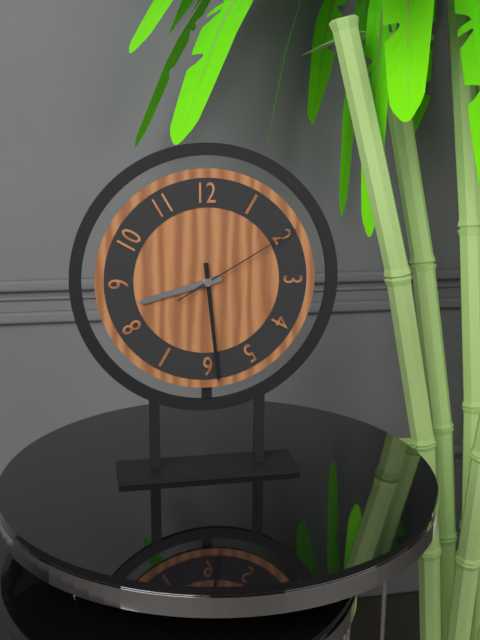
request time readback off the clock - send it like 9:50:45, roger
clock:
8:29:10
